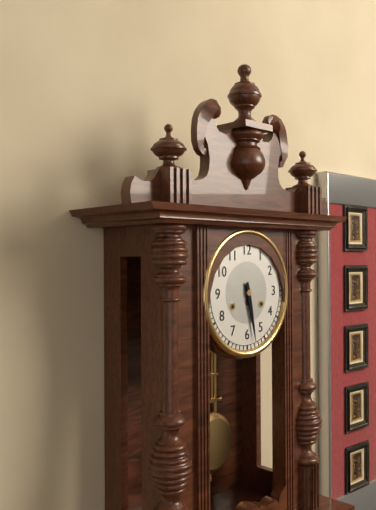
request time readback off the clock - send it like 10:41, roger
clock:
5:28
